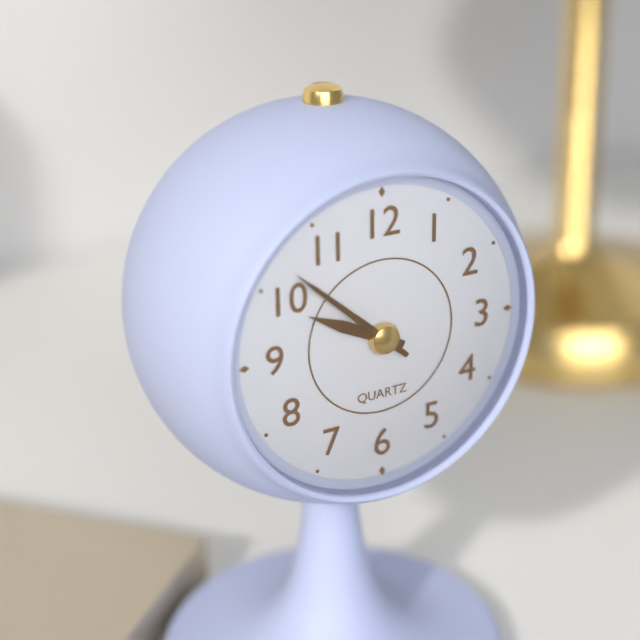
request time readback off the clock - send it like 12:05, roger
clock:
9:52
